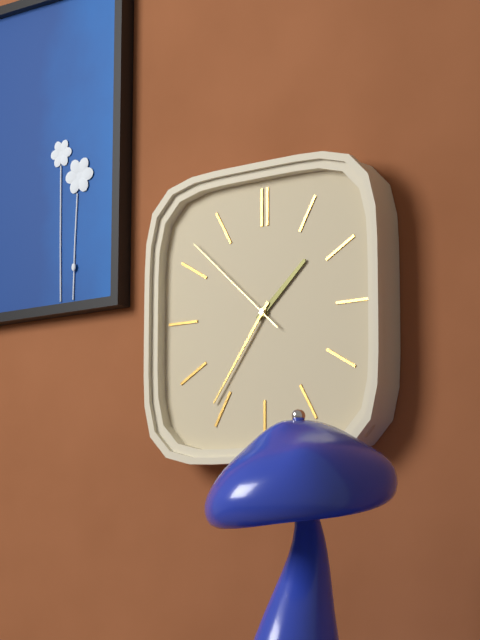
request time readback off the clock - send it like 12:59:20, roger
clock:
1:36:52
